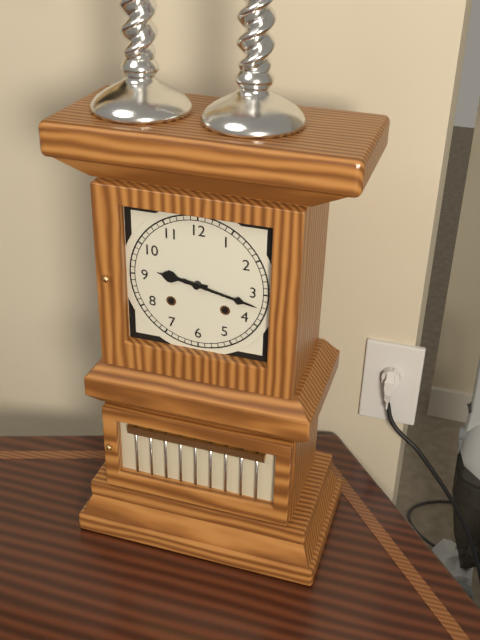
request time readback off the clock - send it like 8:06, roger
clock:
9:17
